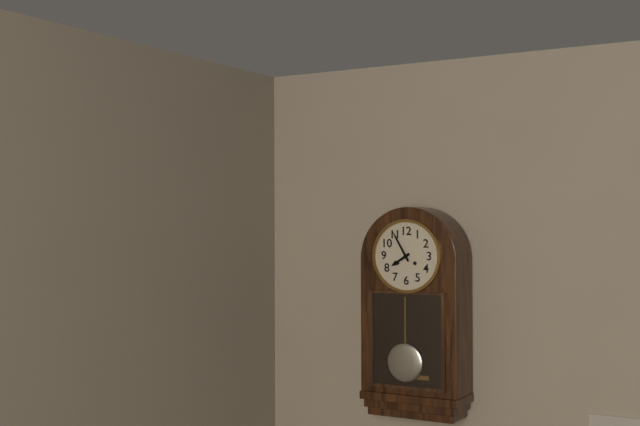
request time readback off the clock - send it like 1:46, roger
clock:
7:55
